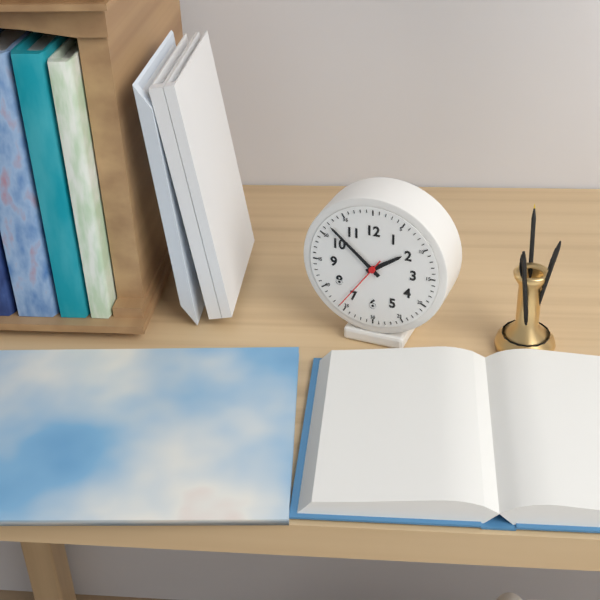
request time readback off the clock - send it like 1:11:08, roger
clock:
1:52:36
